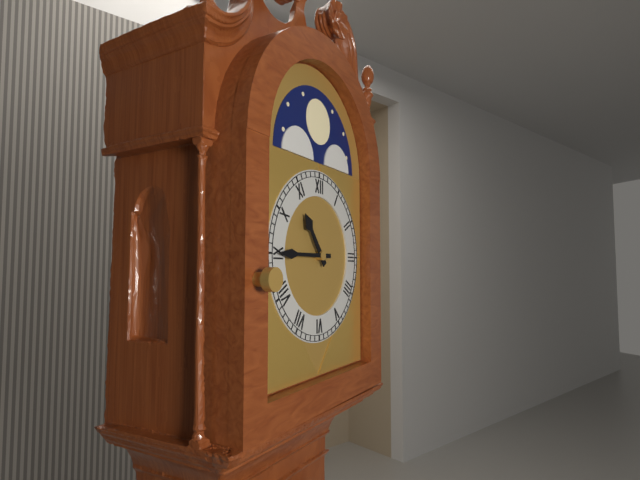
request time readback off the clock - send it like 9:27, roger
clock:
10:45
